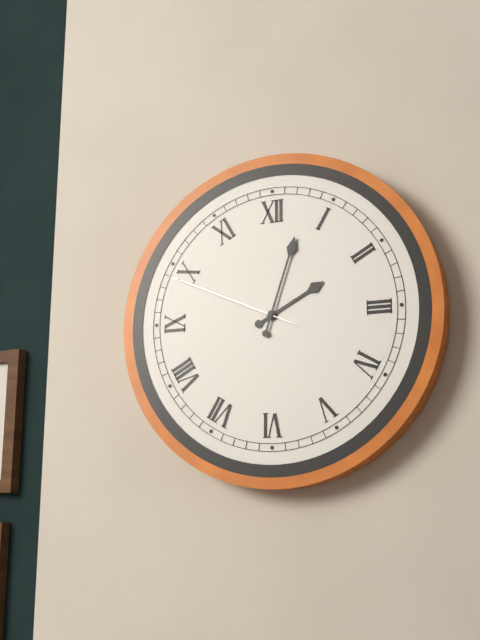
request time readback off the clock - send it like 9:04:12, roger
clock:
2:03:49
